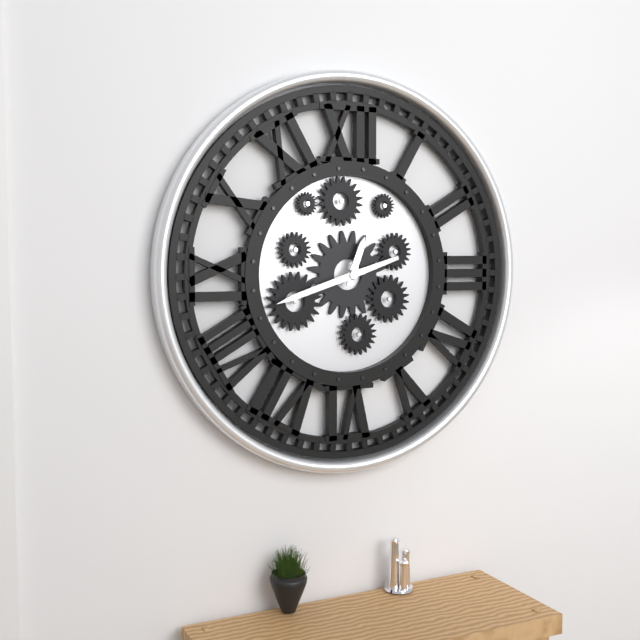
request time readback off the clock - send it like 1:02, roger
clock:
12:42
